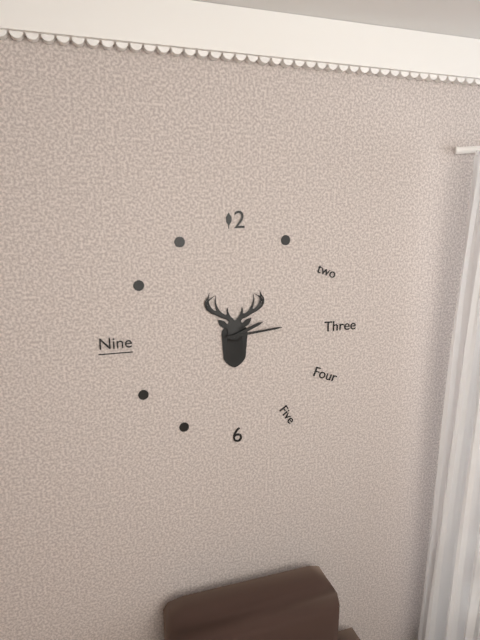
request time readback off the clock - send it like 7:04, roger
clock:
2:14
